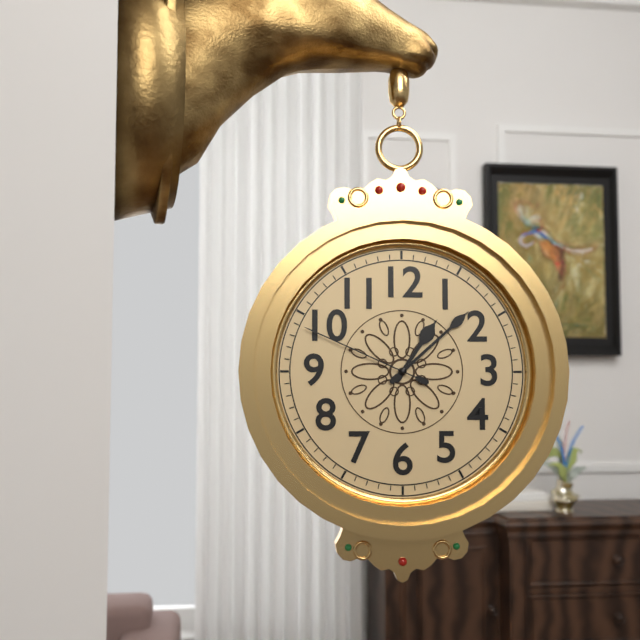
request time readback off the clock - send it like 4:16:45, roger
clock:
1:08:49
